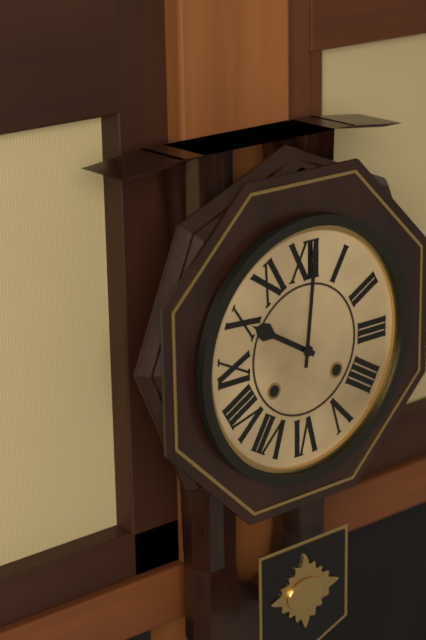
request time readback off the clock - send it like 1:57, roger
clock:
10:01
